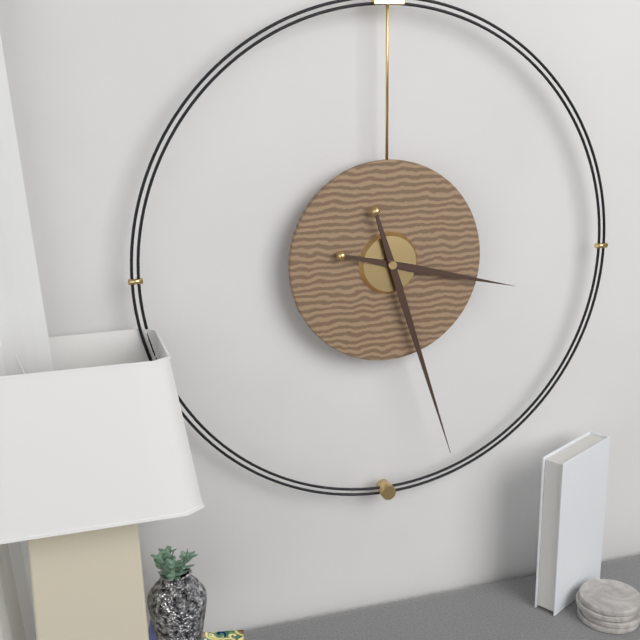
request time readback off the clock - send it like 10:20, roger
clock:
3:27
